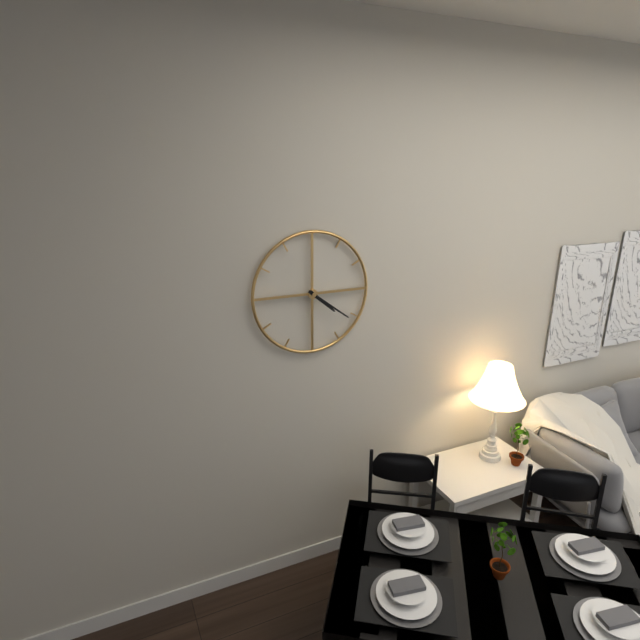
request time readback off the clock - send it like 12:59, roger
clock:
4:21
